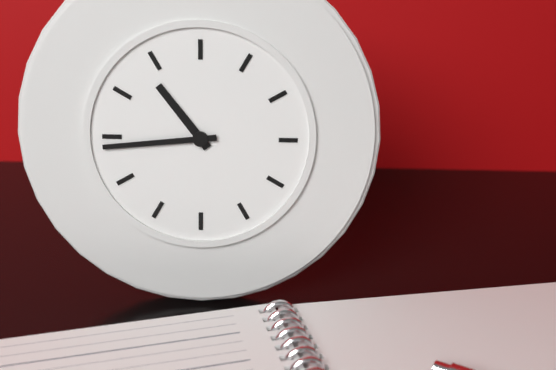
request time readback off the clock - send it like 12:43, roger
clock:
10:44
